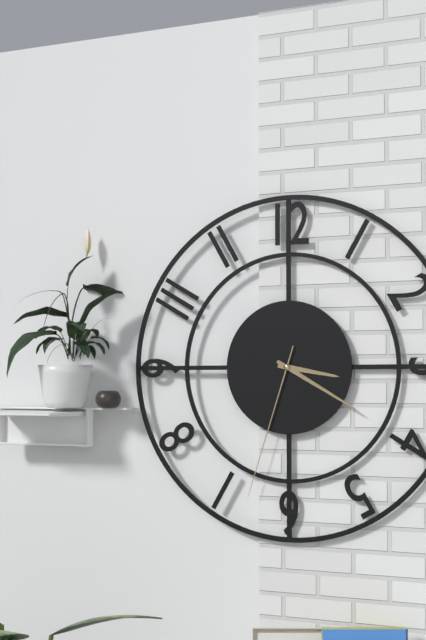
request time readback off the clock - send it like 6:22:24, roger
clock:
3:20:33
